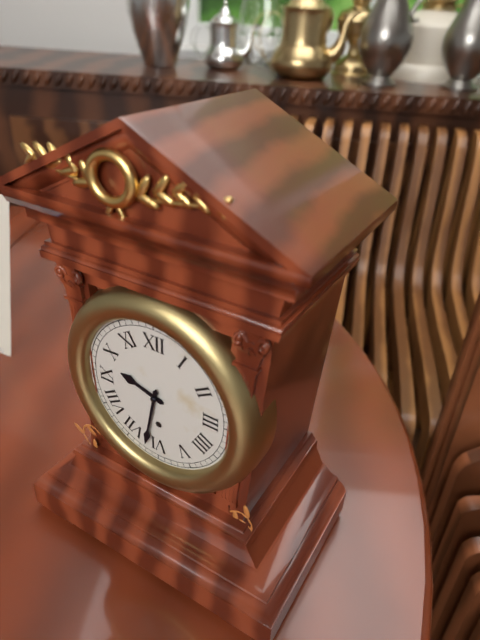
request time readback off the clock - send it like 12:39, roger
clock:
9:32
